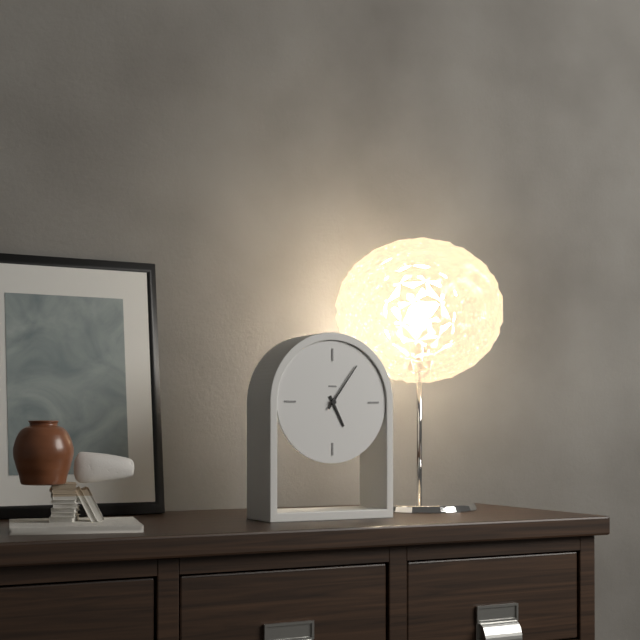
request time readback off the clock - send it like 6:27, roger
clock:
5:06
